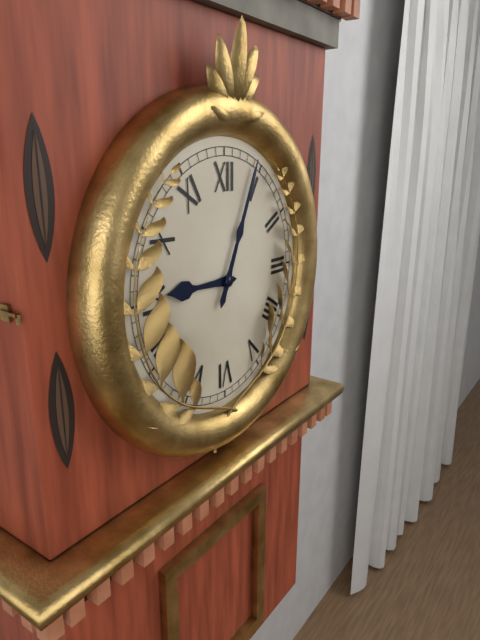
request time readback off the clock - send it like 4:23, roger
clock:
9:04
